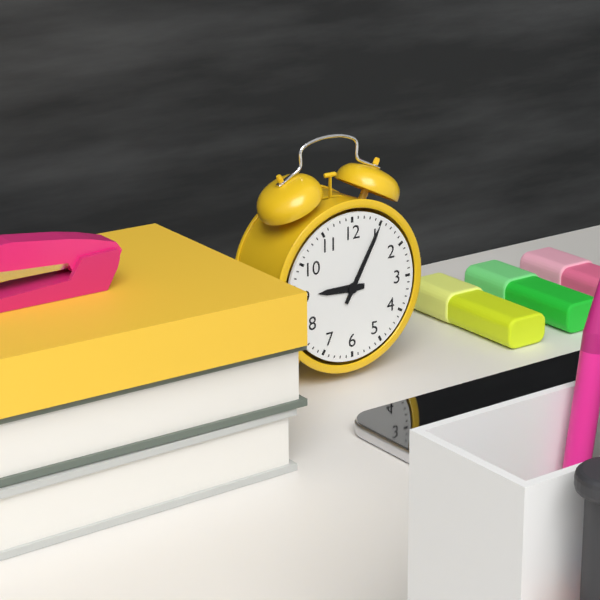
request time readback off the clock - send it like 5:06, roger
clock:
9:05
